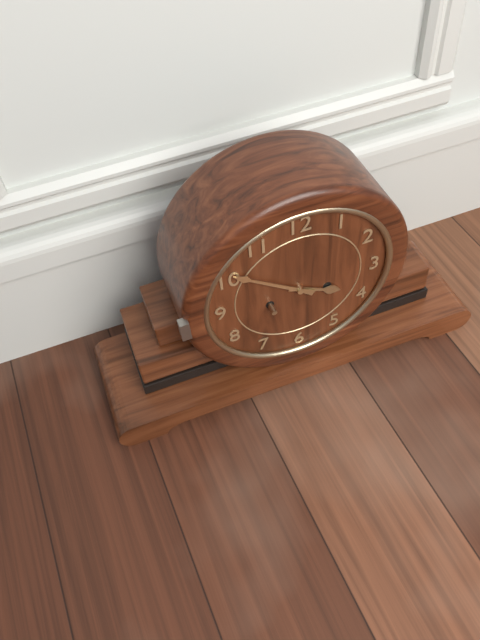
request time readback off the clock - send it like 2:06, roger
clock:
3:51
